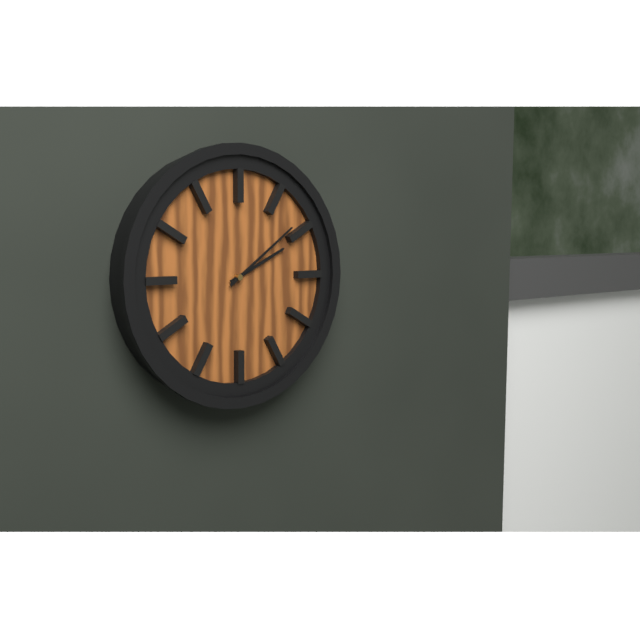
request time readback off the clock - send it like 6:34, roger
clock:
2:09
